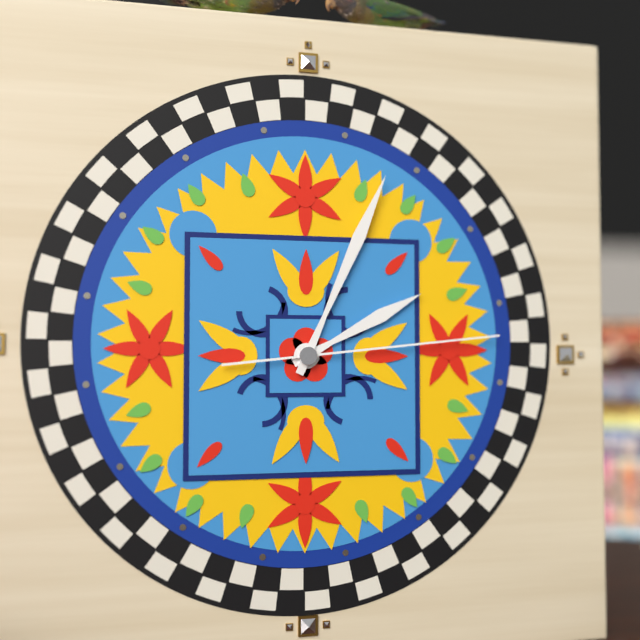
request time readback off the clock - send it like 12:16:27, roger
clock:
2:04:14
